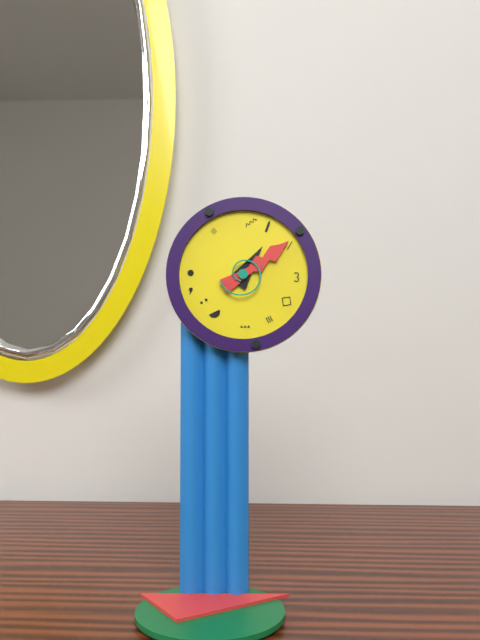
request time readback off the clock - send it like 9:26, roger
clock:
1:09
